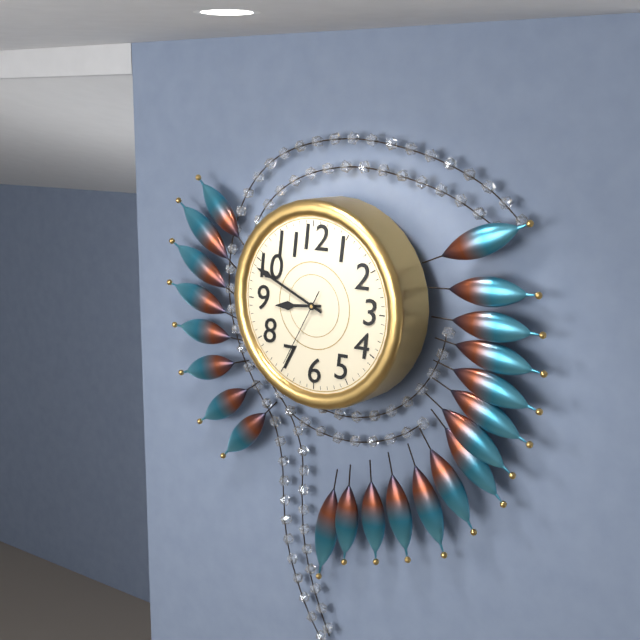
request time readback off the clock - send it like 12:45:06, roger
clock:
8:49:35
